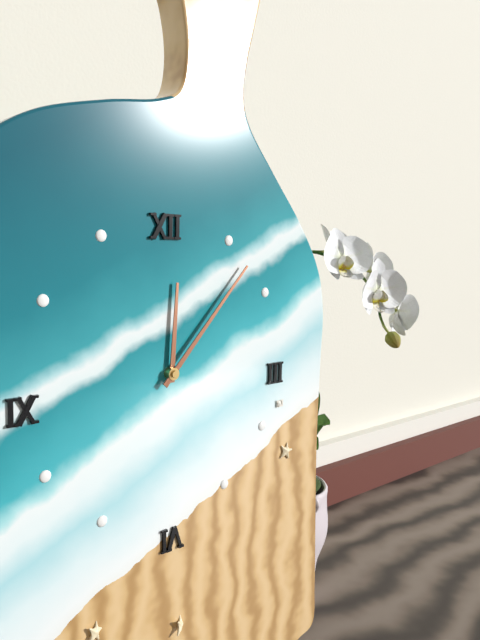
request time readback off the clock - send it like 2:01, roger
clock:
12:07
